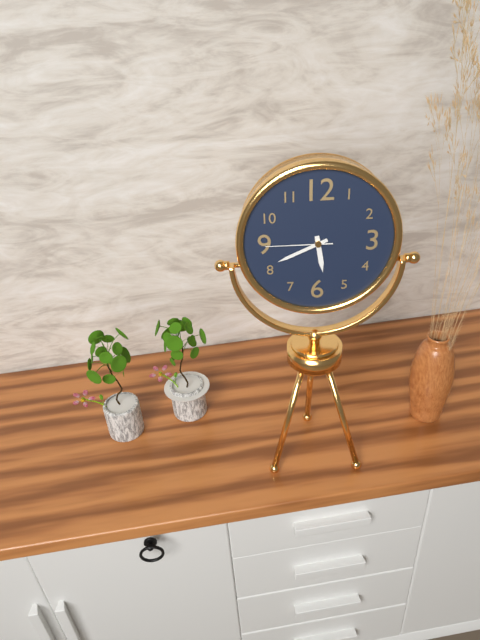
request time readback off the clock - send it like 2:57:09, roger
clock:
5:41:45
